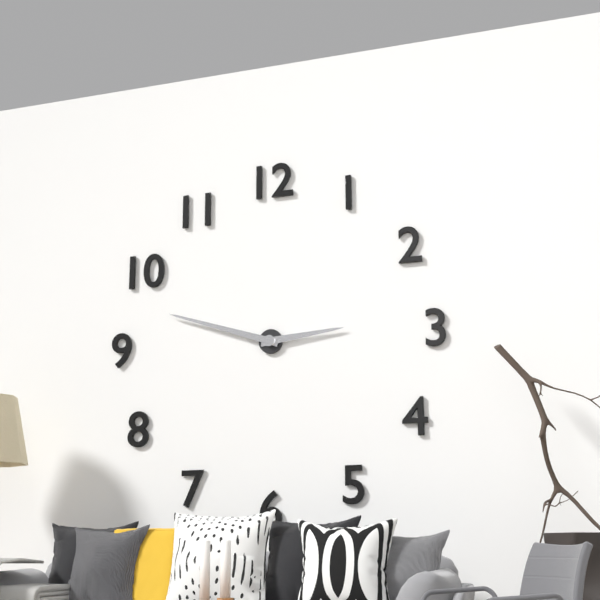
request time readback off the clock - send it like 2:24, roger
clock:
2:48
